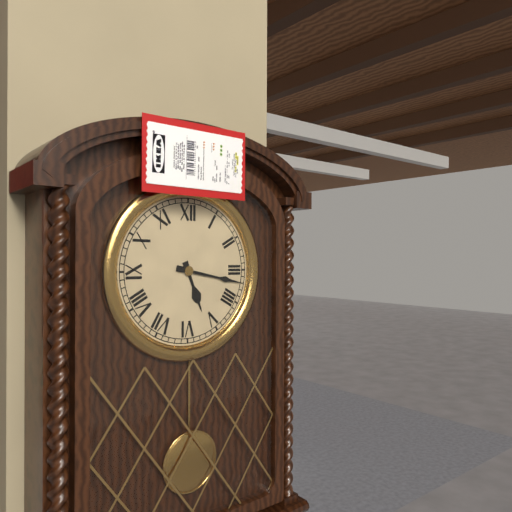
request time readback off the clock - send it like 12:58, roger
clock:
5:17
